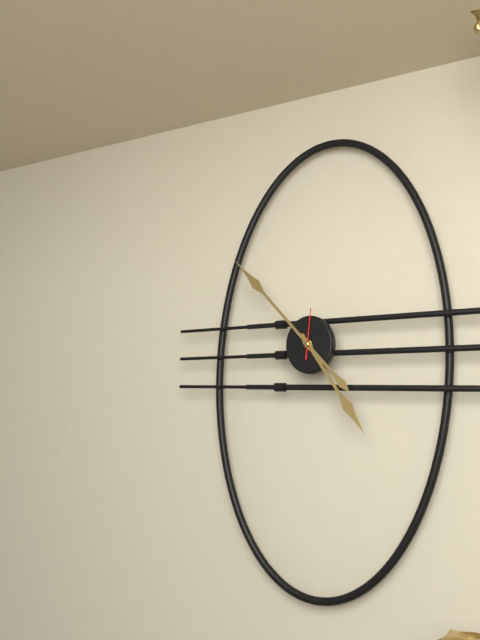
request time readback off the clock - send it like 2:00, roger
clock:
4:53
